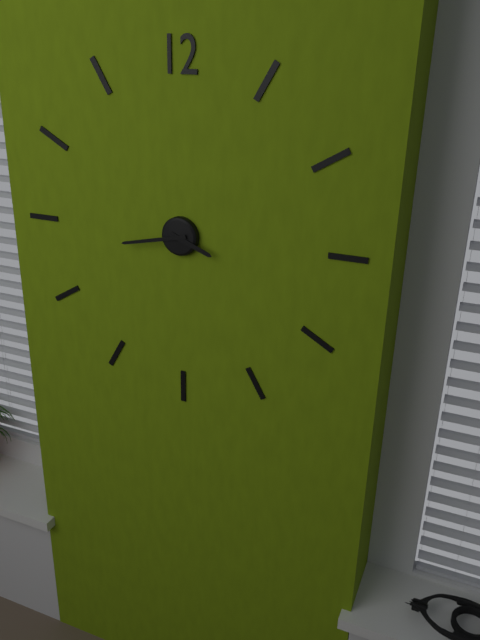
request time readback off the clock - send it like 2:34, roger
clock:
3:43
